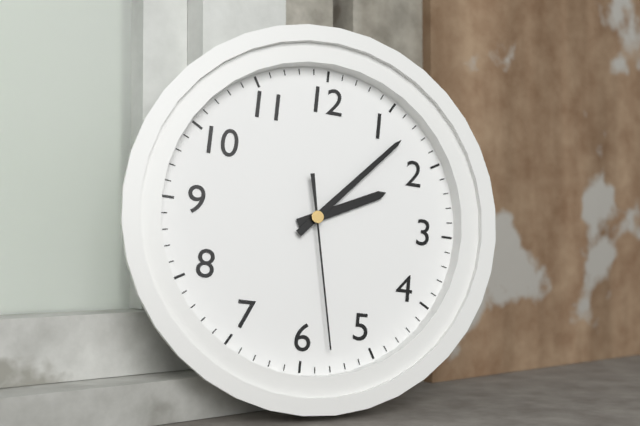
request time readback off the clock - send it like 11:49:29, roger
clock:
2:07:28
